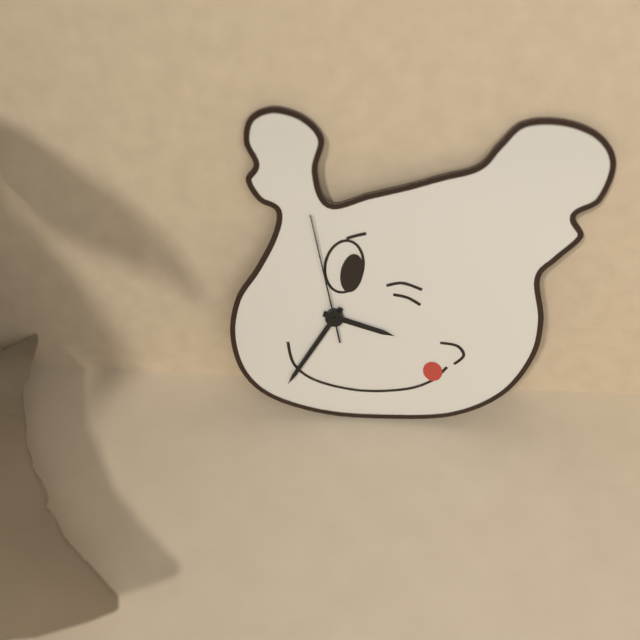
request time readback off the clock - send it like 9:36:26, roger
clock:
3:35:58
